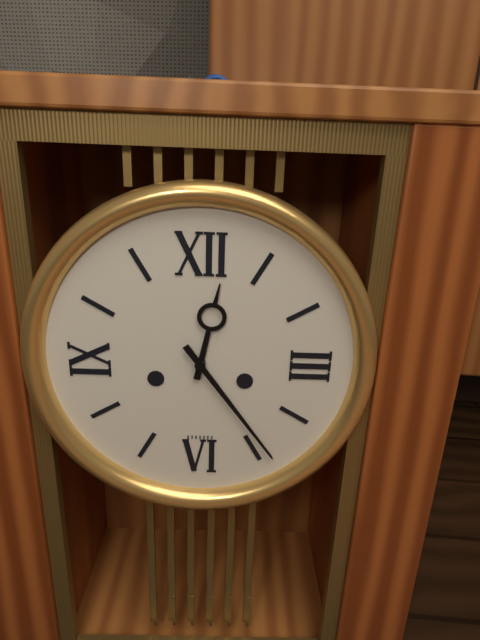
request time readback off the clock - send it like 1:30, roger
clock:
12:24
